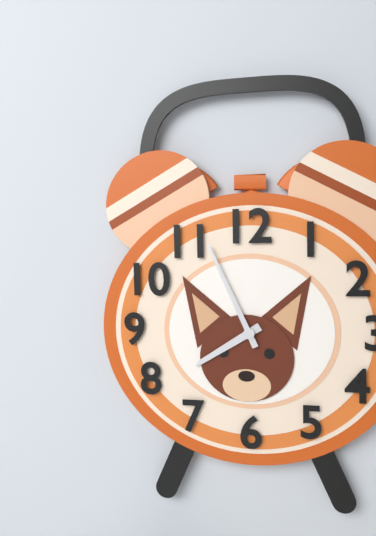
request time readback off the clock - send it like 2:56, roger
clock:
7:56
